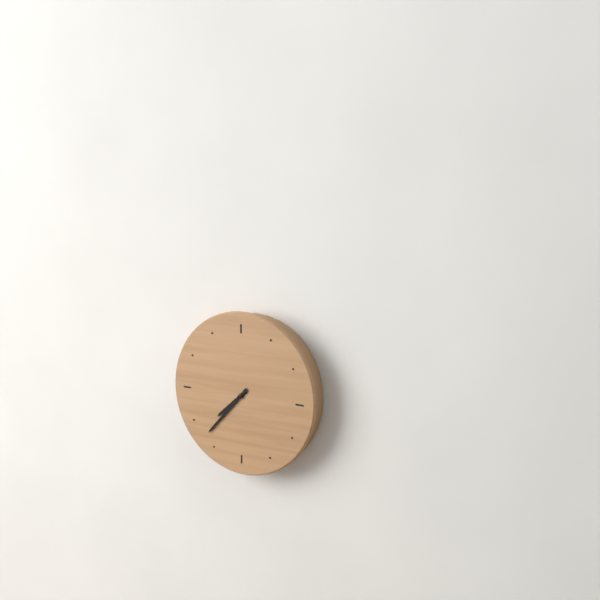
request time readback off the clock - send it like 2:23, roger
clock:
7:37
